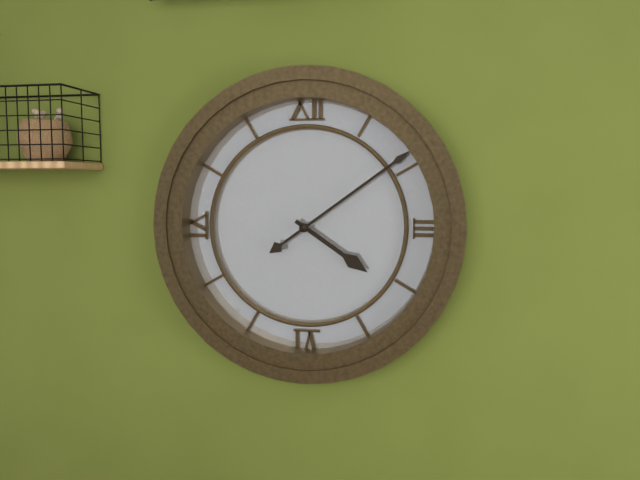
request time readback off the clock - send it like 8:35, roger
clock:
4:09
